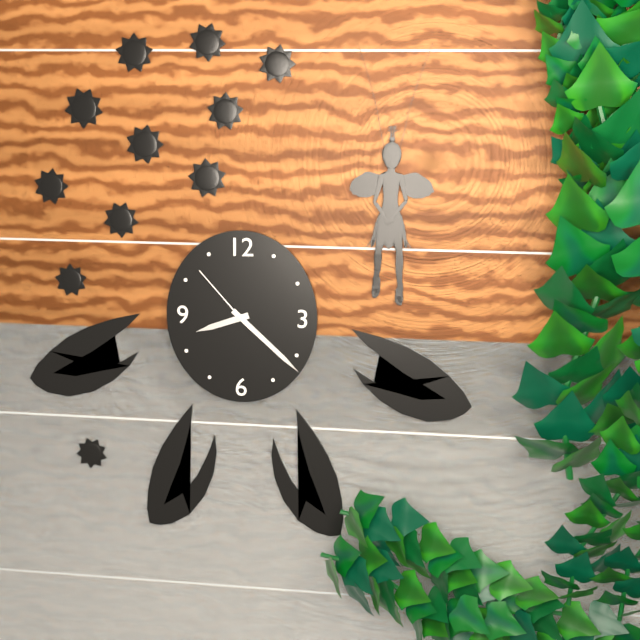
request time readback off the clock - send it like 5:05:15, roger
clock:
8:22:53
